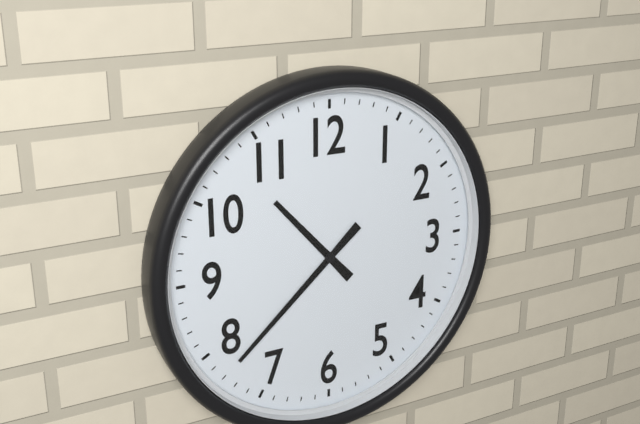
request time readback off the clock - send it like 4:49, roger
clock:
10:38
